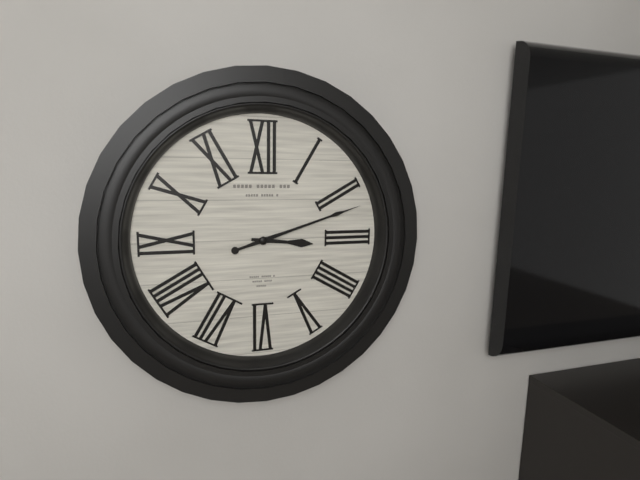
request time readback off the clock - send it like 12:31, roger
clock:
3:12
